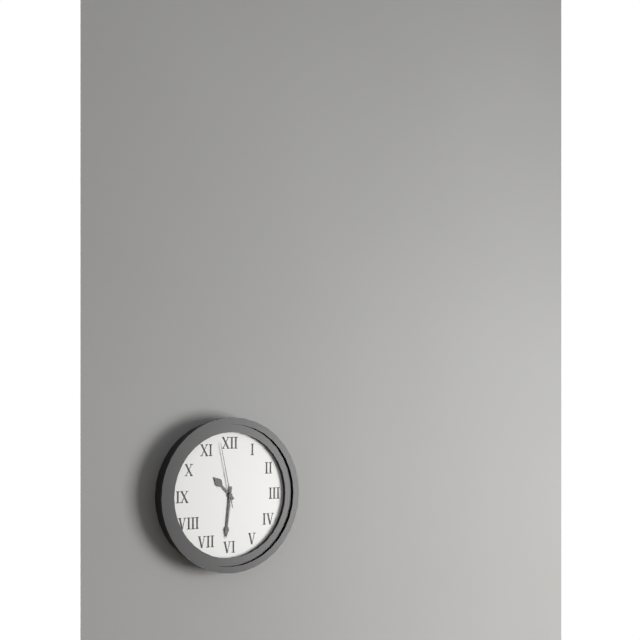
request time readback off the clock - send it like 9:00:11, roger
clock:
10:31:58
